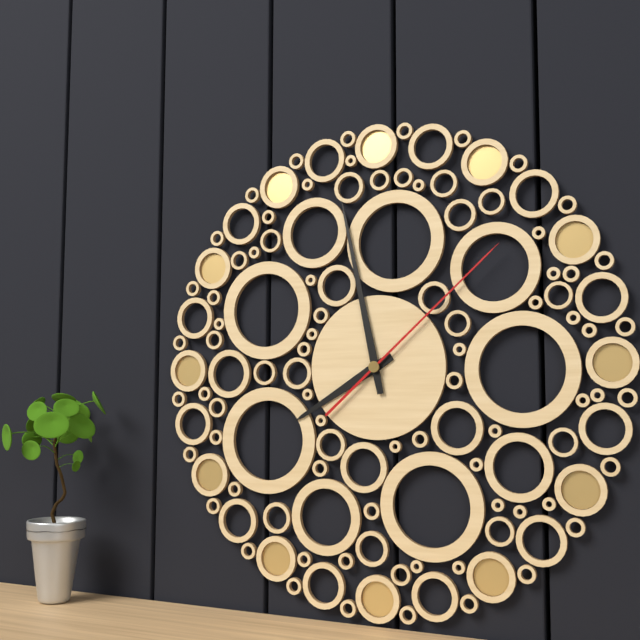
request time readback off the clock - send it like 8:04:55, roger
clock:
7:58:08
